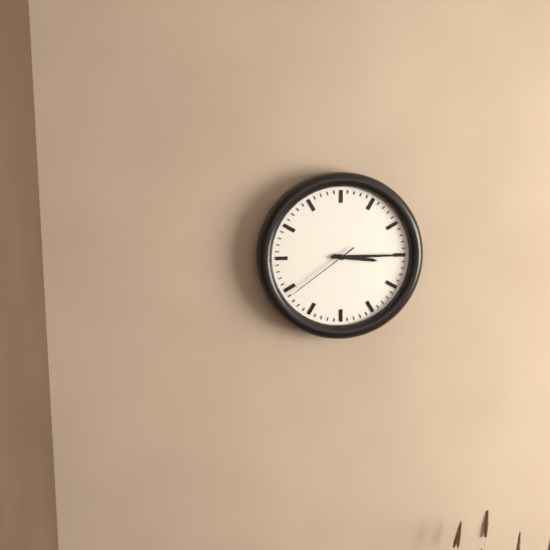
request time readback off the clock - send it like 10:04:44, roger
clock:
3:15:39
